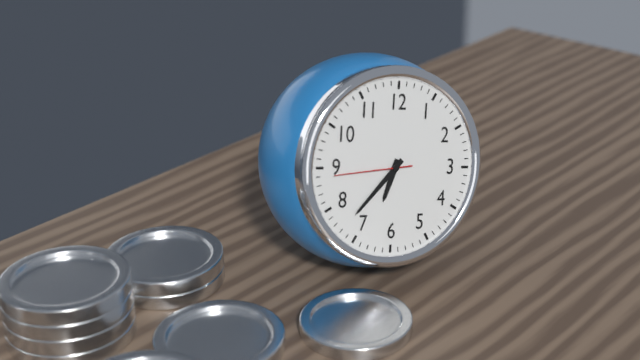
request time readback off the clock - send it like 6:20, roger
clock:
6:37
